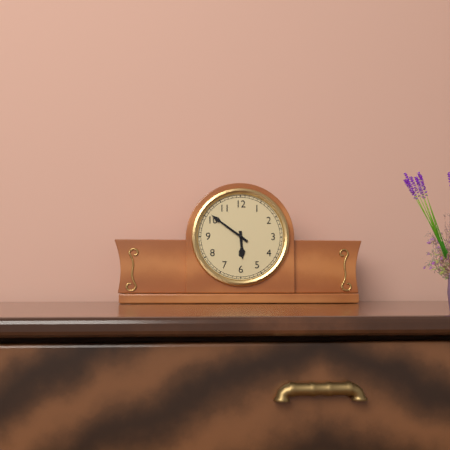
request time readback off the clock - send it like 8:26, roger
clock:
5:51
